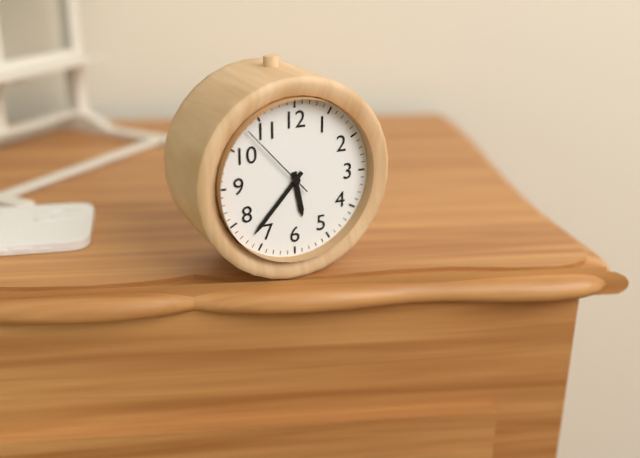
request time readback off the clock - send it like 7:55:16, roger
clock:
5:37:53
